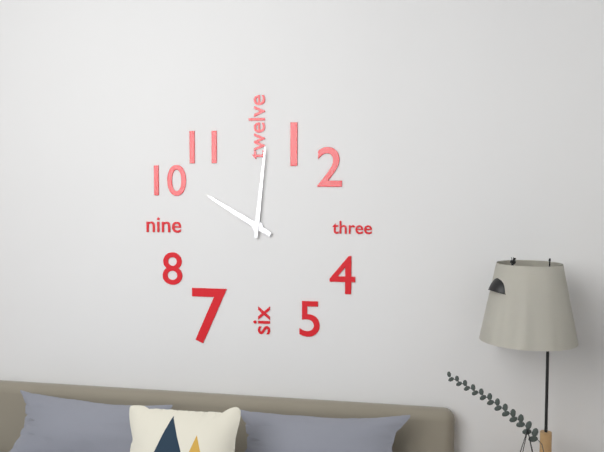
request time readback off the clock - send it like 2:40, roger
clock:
10:01
